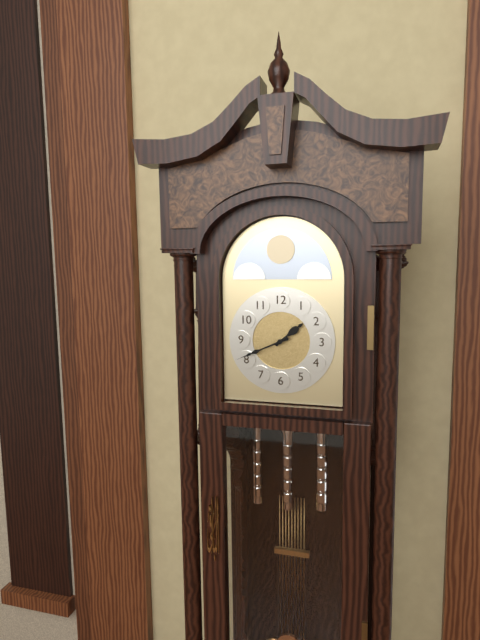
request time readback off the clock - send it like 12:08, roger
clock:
1:41
